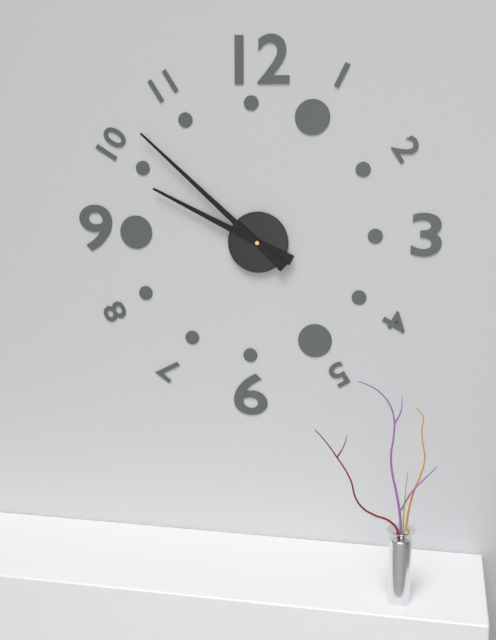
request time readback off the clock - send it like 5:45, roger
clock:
9:52
